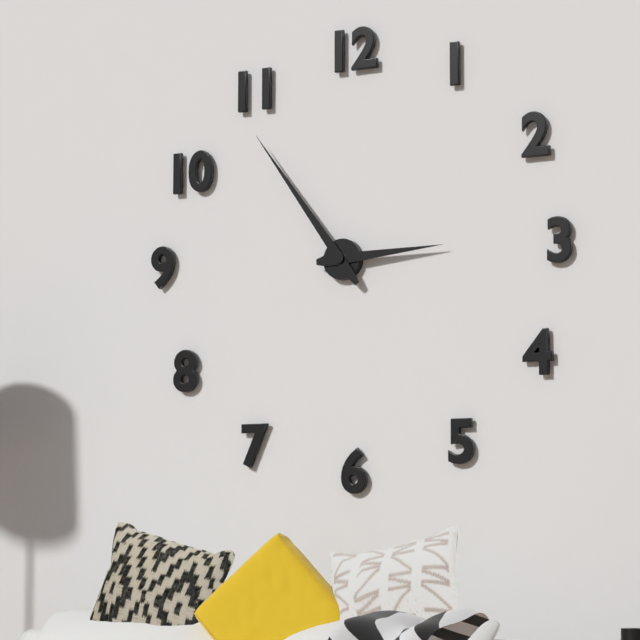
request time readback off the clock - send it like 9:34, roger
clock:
2:54
